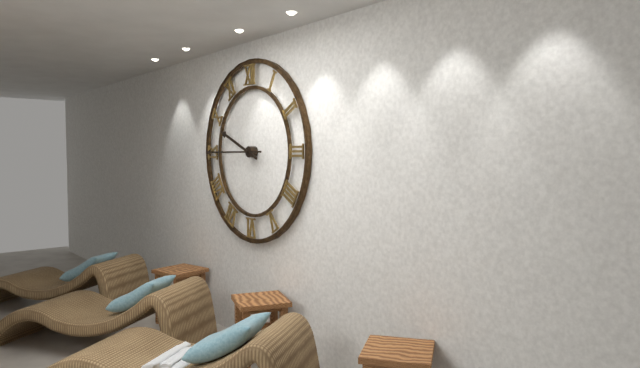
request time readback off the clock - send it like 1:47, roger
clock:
9:45
